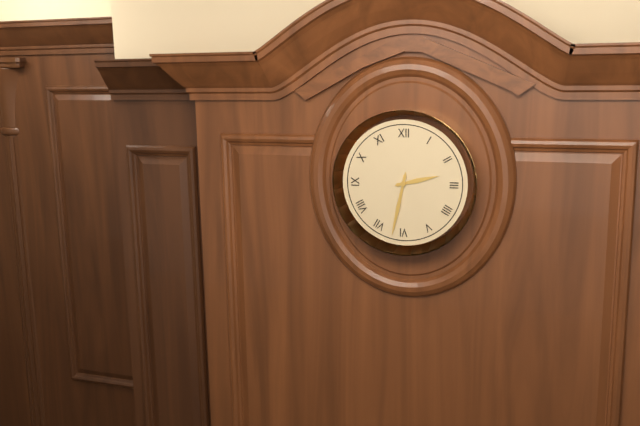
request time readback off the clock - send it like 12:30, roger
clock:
2:32
